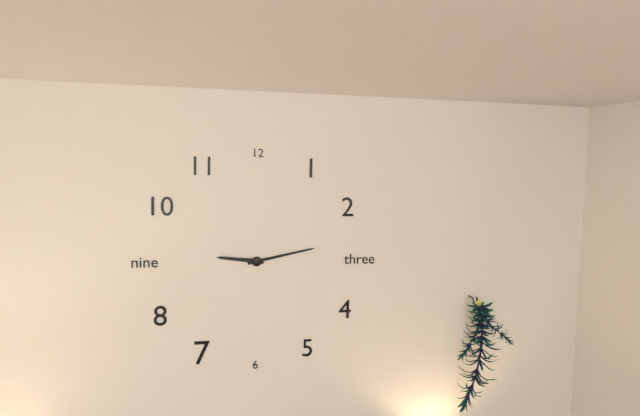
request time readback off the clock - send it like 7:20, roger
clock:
9:13
